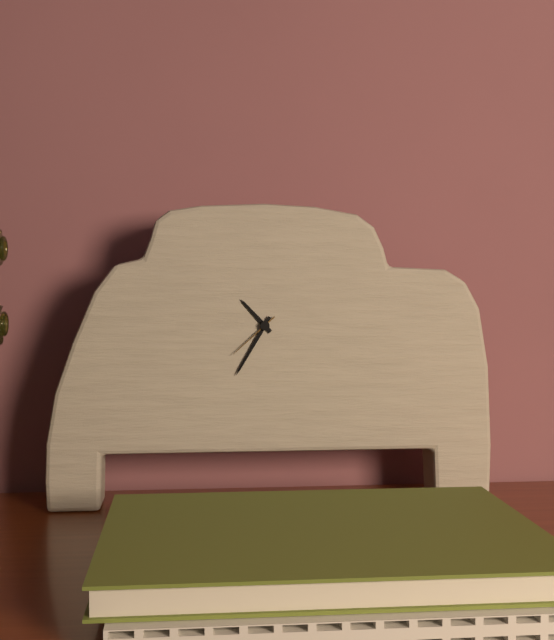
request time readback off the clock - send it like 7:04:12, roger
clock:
10:35:38
